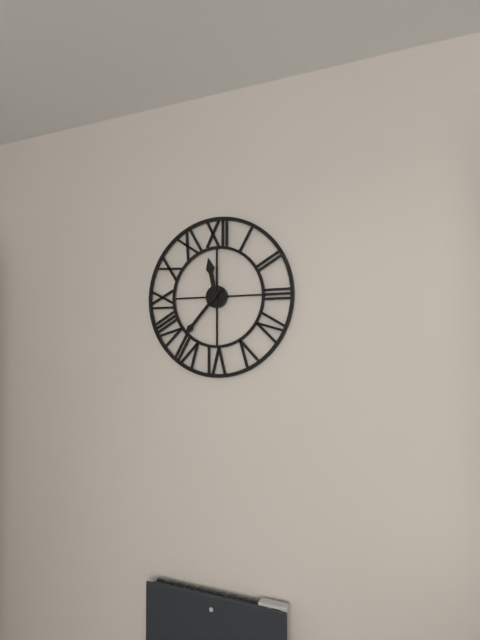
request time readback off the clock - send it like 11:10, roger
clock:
11:37
